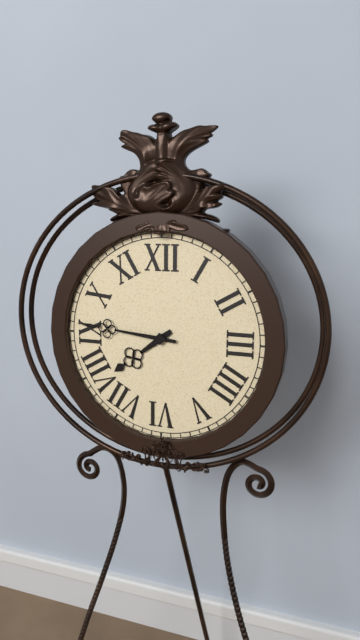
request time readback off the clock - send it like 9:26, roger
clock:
7:46
